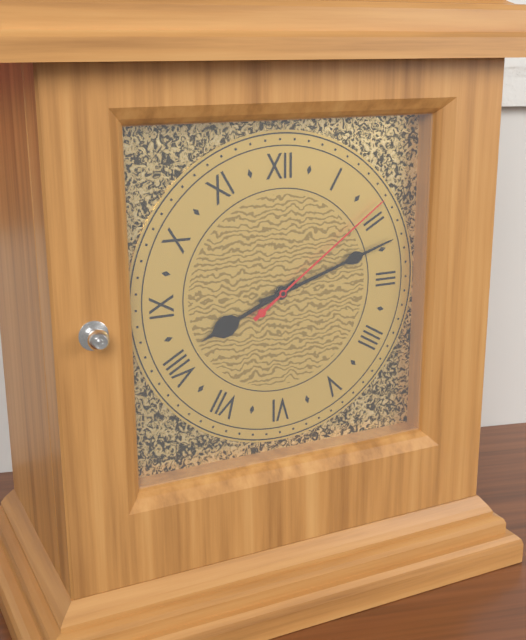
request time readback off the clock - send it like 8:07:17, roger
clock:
8:12:09
